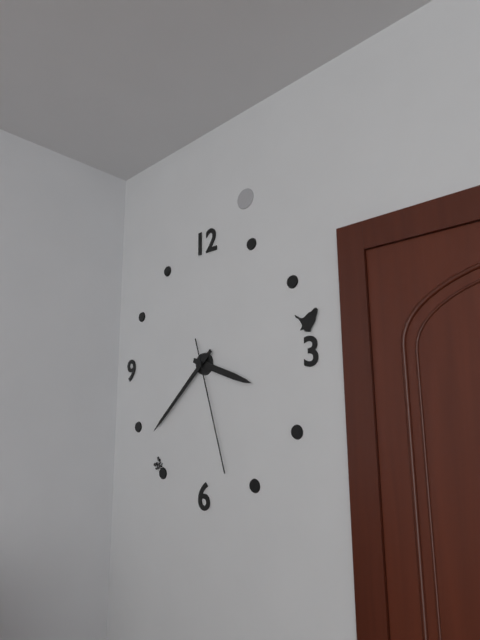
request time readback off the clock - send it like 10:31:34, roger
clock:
3:38:27
